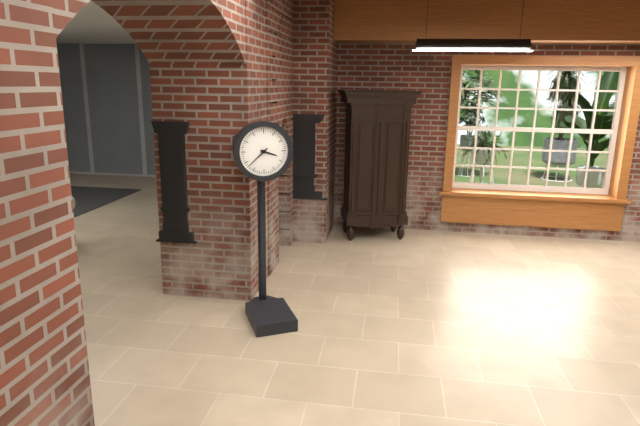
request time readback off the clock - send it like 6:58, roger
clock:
3:38
